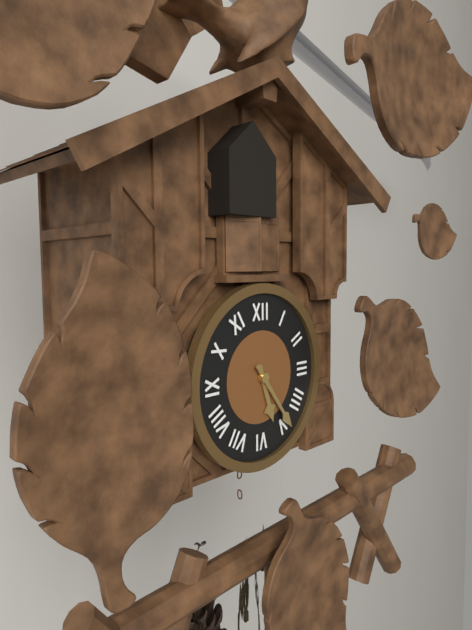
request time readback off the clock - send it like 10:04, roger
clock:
5:24
